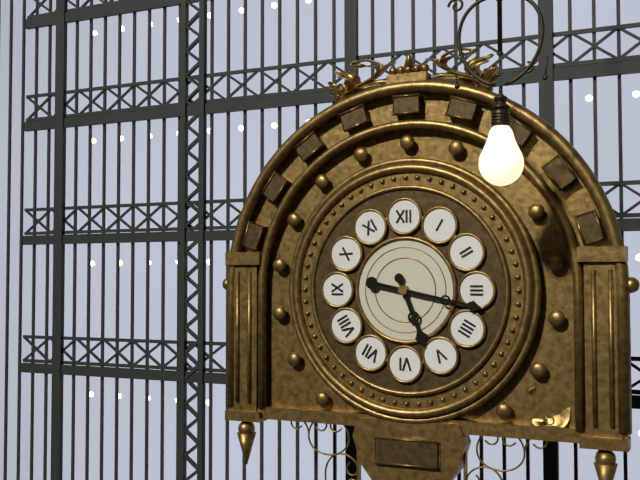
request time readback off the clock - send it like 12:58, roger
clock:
5:17
